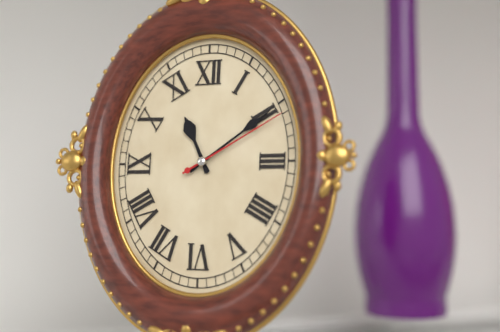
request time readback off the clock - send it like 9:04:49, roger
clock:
11:09:10
